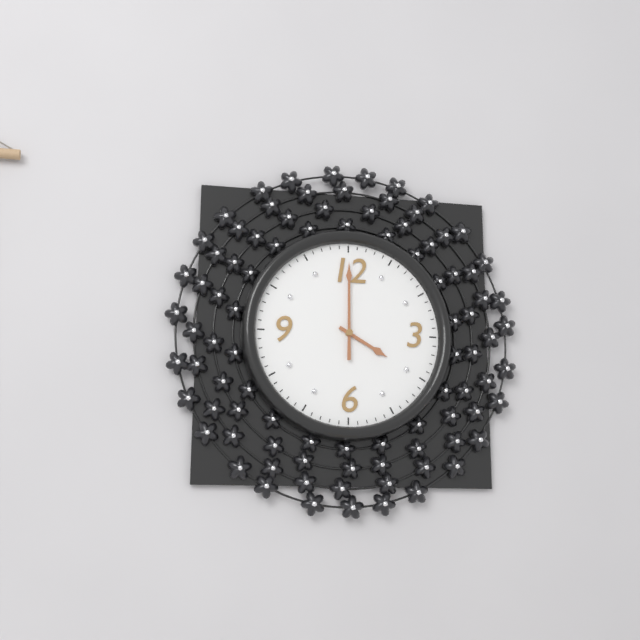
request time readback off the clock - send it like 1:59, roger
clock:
4:00
